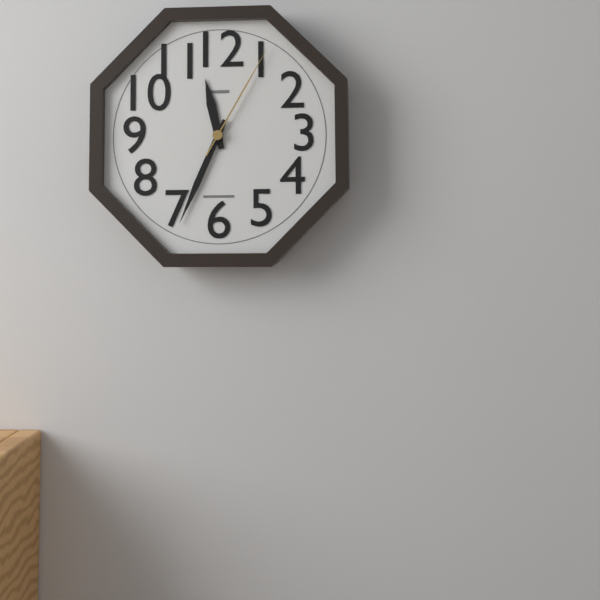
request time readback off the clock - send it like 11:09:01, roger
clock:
11:34:05
